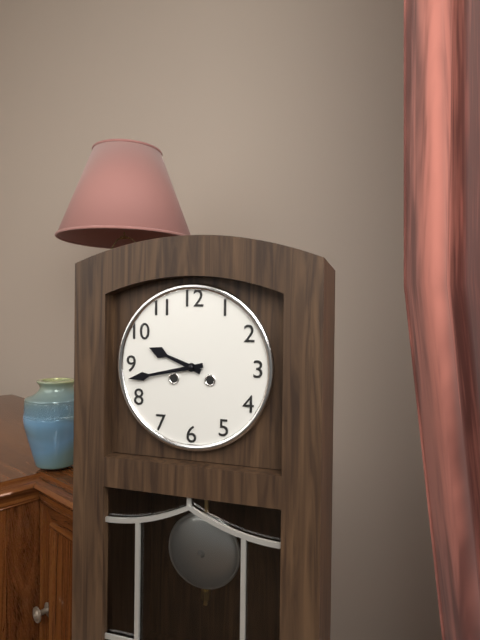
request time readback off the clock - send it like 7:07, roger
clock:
9:43
